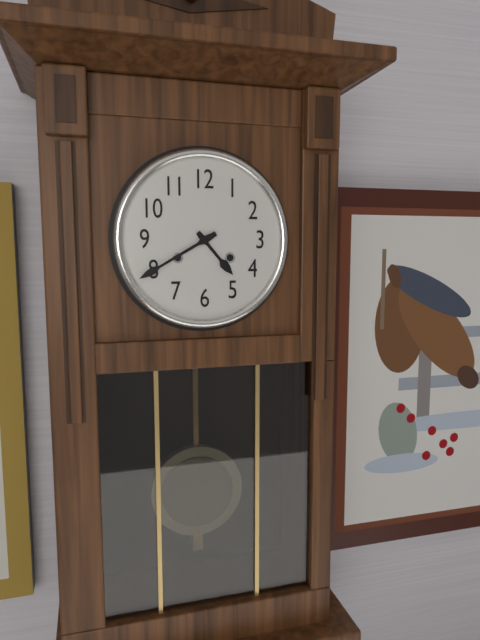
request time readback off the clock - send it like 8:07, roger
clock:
4:40
